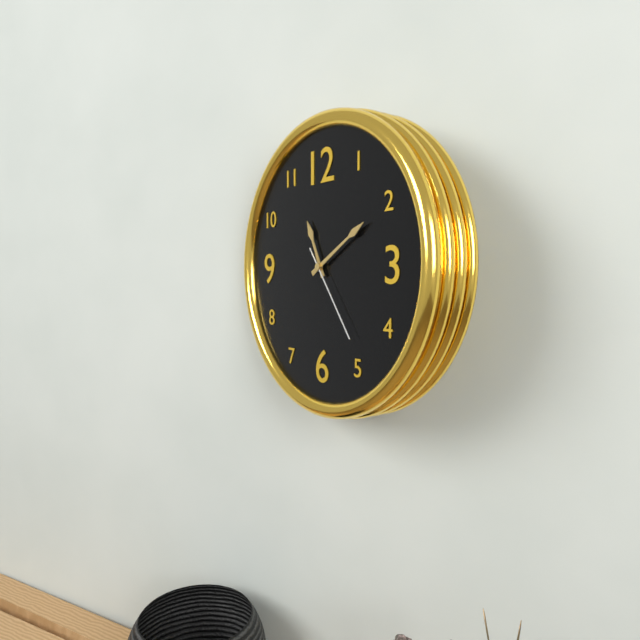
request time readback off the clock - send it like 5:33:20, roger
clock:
11:10:24
